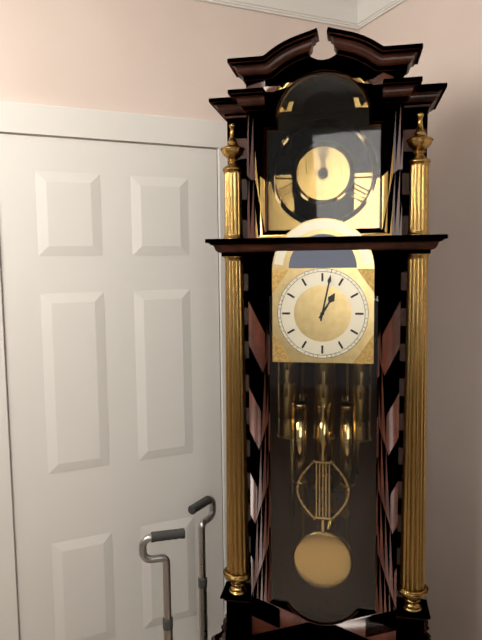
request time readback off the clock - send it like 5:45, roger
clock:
1:02
